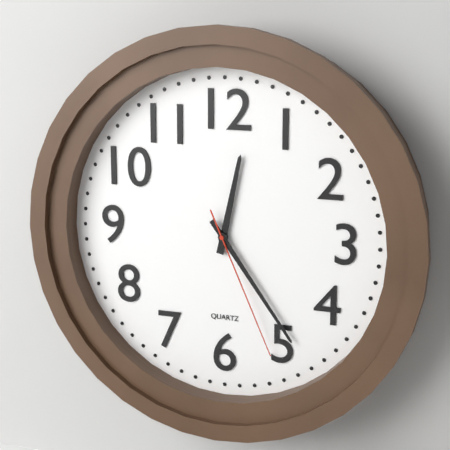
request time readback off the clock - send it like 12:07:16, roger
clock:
12:24:26
